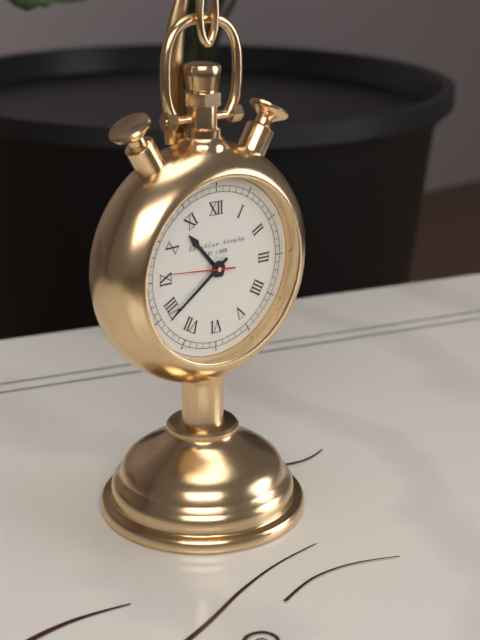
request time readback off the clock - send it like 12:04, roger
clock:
10:39
